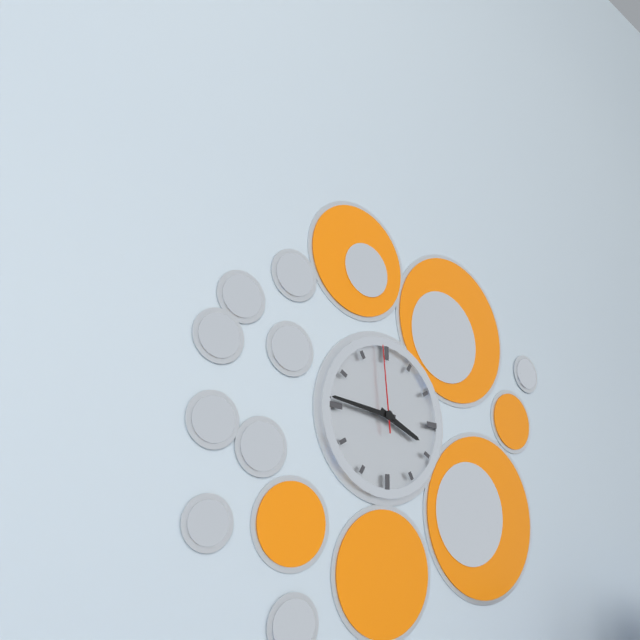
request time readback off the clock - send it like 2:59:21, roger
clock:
3:46:59
